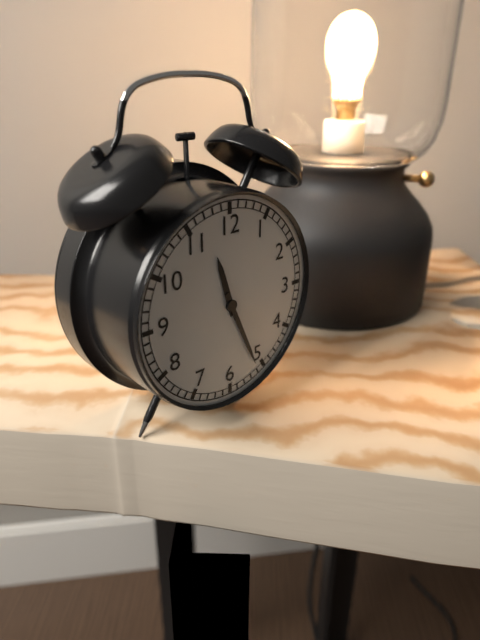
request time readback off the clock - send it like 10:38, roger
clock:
11:26
